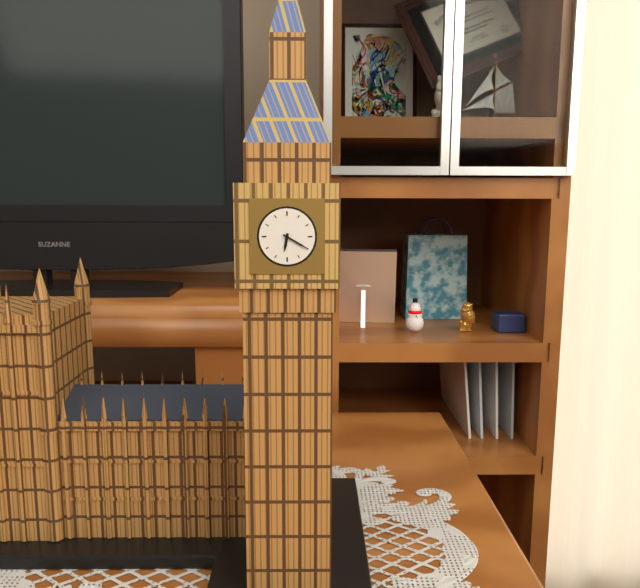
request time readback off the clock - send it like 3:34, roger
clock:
6:20
